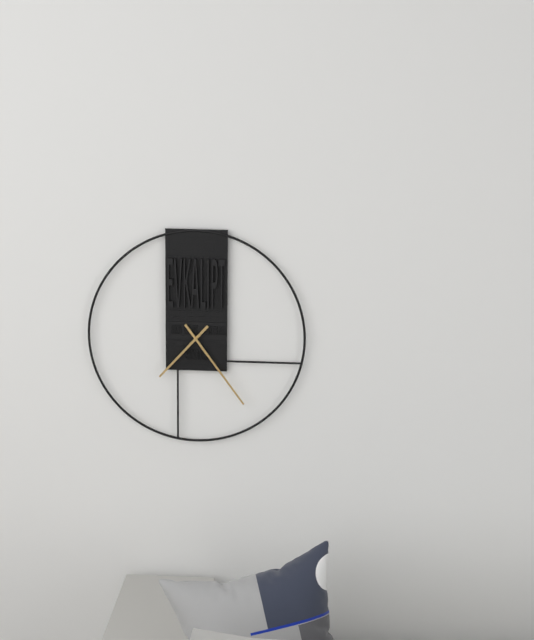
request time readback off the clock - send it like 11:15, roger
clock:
7:24
